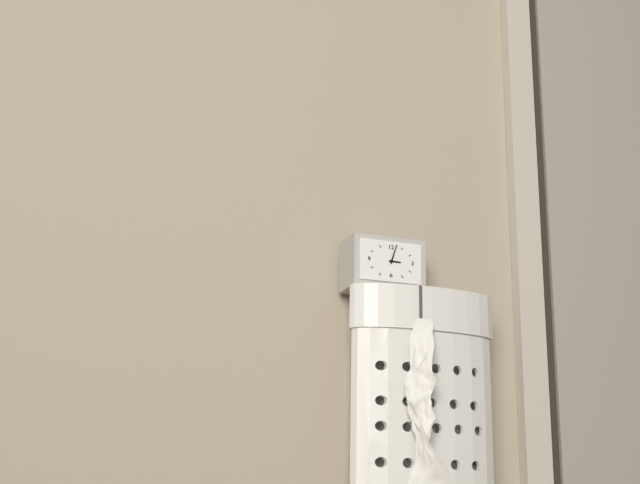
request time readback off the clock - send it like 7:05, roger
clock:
3:03
